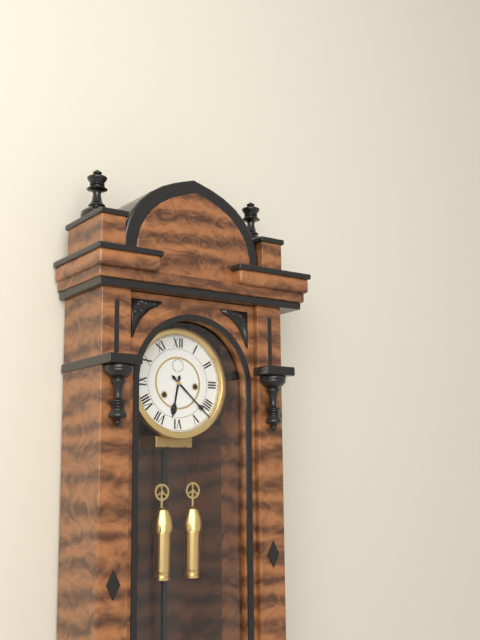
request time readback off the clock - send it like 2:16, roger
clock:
6:22
